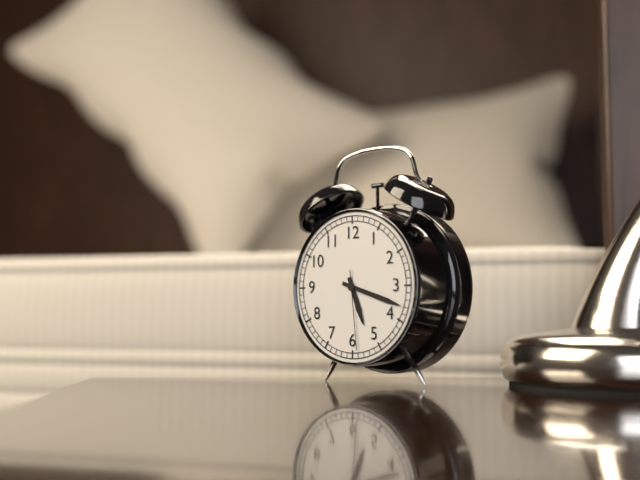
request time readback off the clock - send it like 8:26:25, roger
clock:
5:18:29
